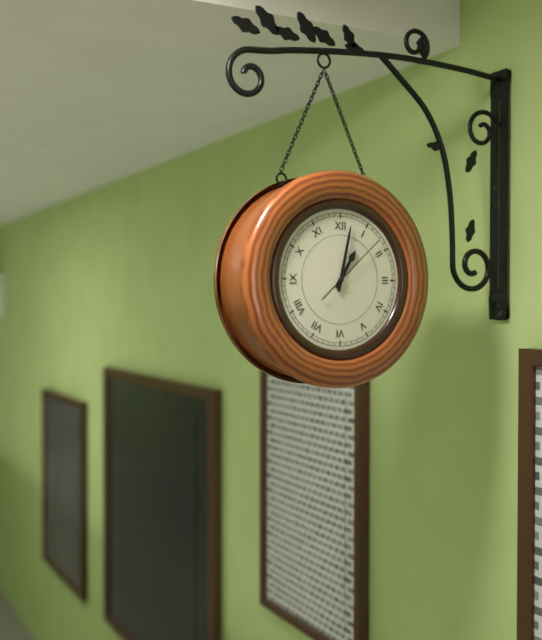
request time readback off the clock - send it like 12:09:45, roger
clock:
1:02:08
